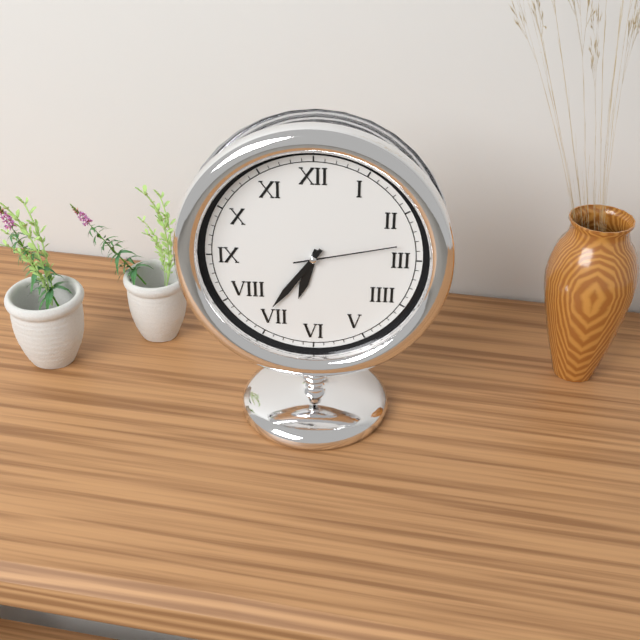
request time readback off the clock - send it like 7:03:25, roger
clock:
6:36:13
